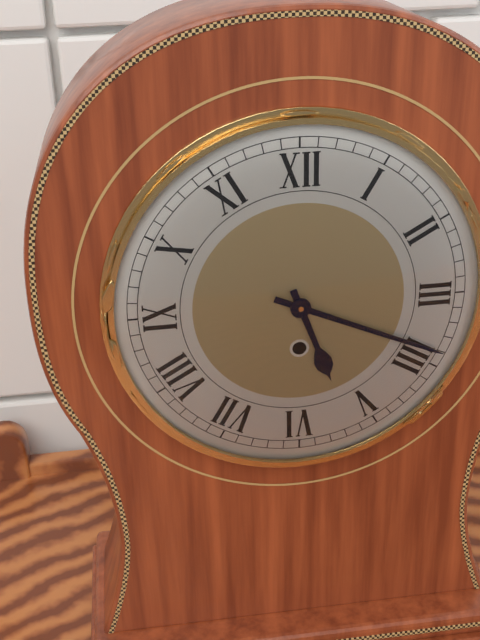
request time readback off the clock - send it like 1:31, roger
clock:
5:19
